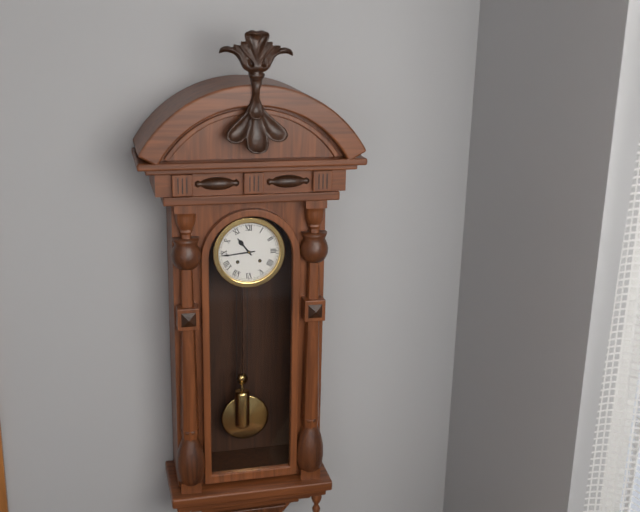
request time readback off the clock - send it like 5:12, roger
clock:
10:44
